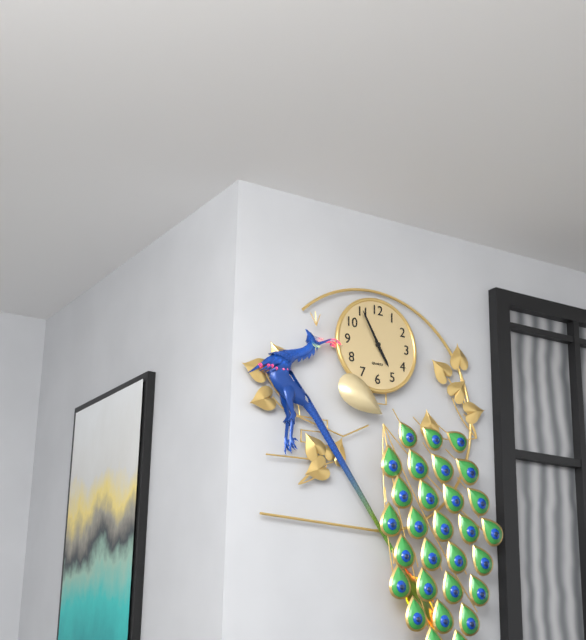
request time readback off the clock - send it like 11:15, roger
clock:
4:55
